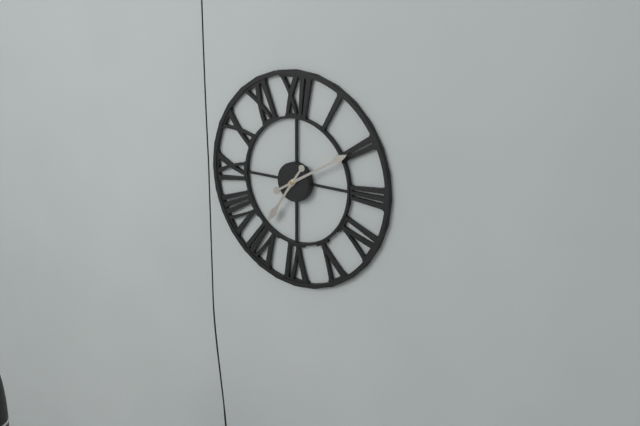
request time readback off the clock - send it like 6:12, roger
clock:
7:10
